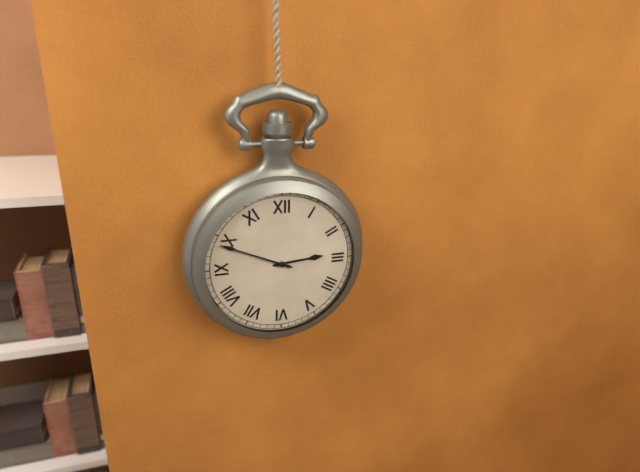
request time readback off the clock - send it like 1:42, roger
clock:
2:49
